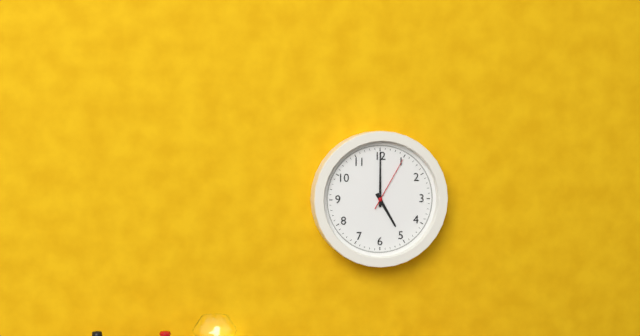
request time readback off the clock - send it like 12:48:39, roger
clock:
5:00:05
